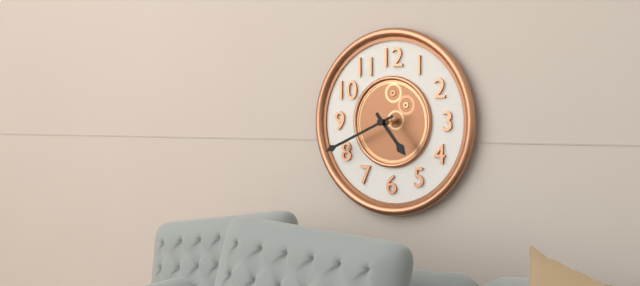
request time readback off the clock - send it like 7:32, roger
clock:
4:41
